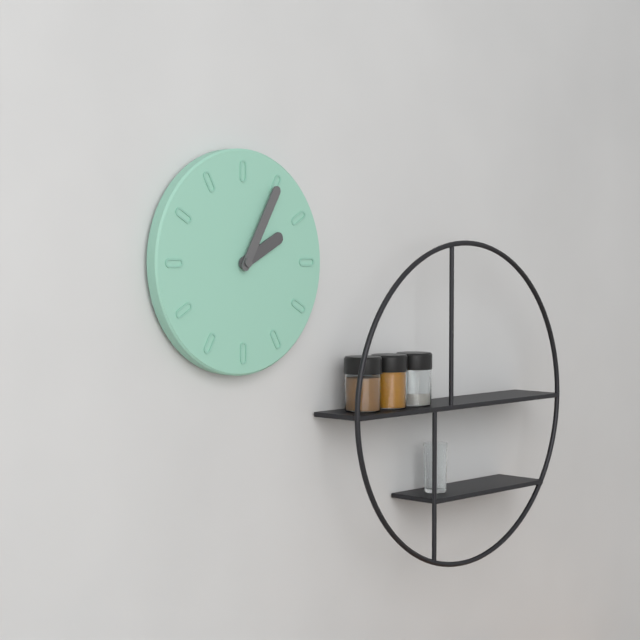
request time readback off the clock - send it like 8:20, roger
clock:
2:05
